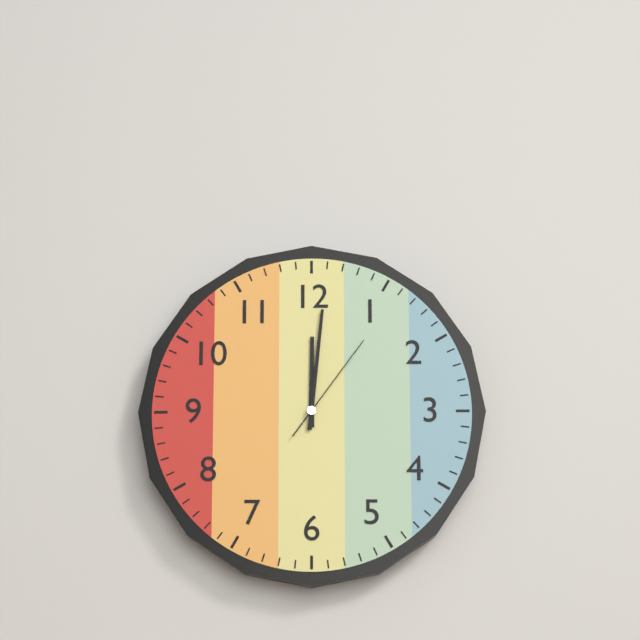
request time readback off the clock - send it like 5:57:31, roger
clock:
12:01:06
